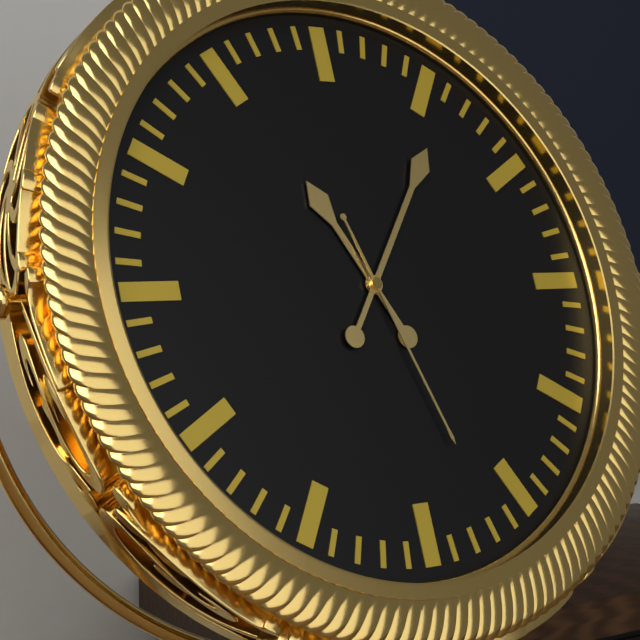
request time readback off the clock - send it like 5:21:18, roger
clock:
11:06:27
